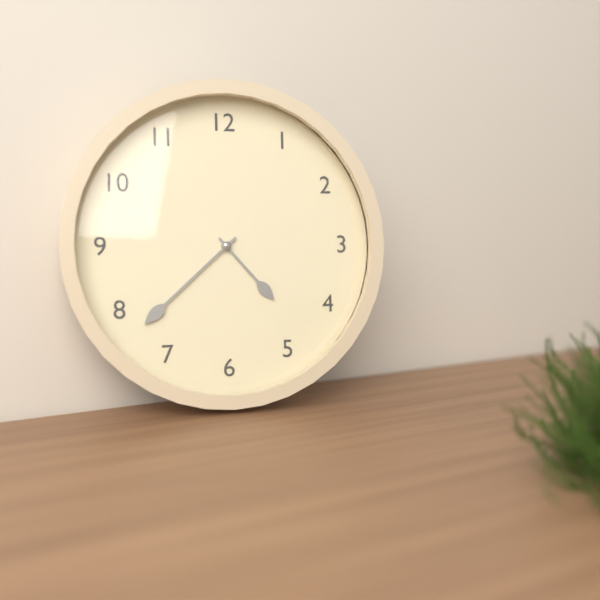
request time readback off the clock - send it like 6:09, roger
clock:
4:38
